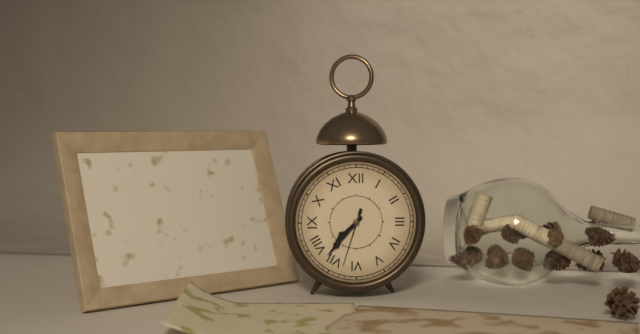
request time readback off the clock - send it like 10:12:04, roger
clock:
7:37:33
